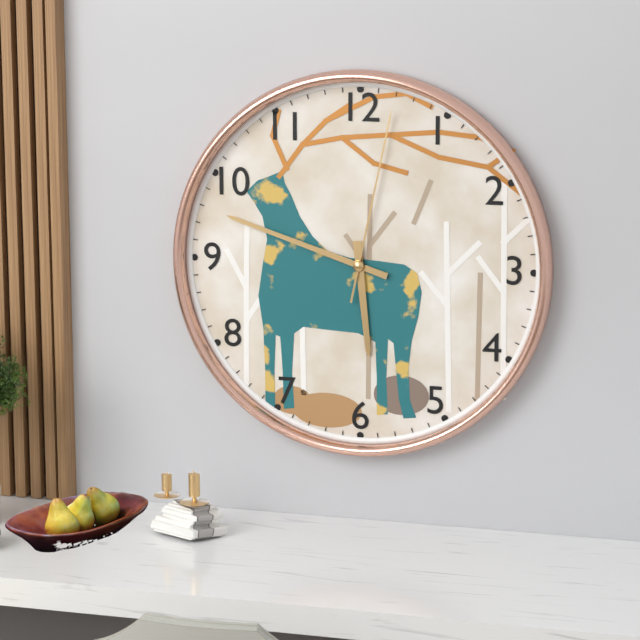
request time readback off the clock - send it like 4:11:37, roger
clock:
5:48:02
